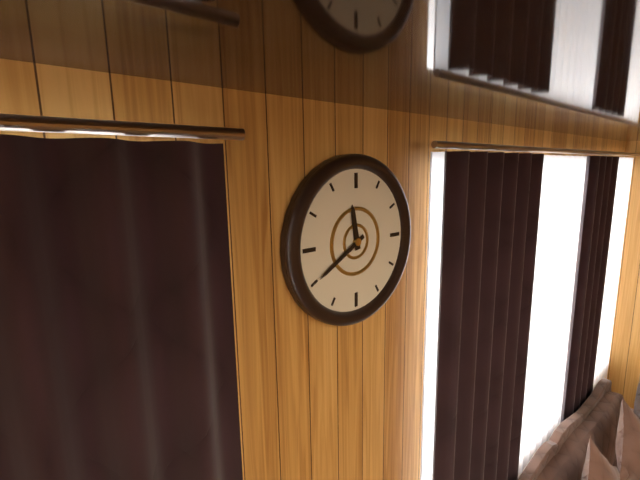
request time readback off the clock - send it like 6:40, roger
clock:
11:40
